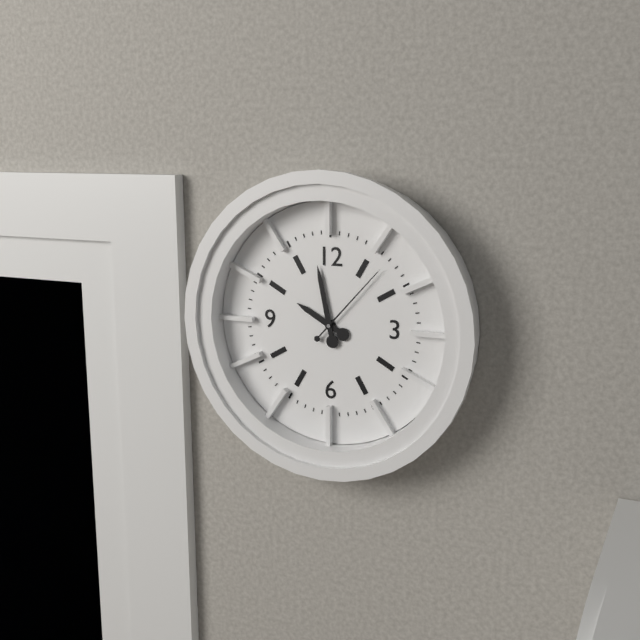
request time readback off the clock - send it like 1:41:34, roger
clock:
9:58:07
